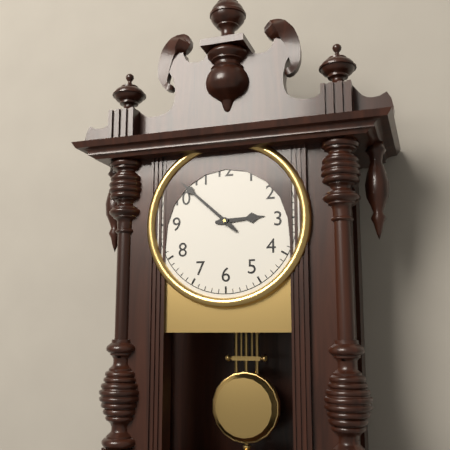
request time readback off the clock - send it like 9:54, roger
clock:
2:52
